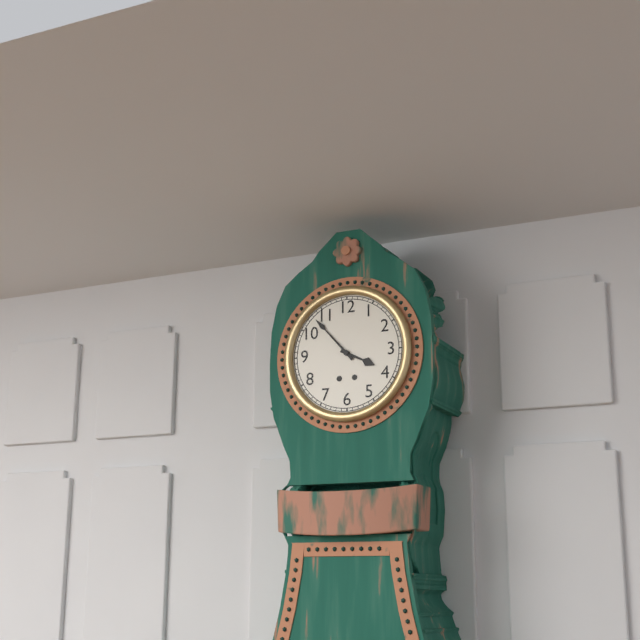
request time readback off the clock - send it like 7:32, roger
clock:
3:53
